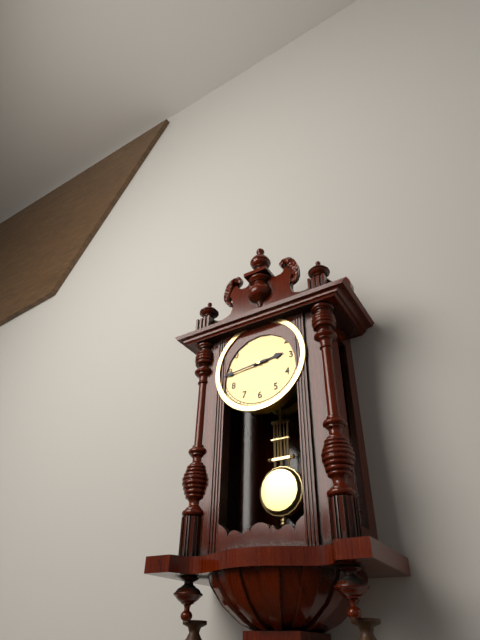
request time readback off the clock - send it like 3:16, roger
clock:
2:44
